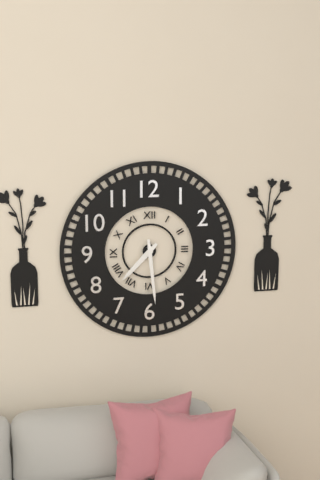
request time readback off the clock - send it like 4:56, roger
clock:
7:29
